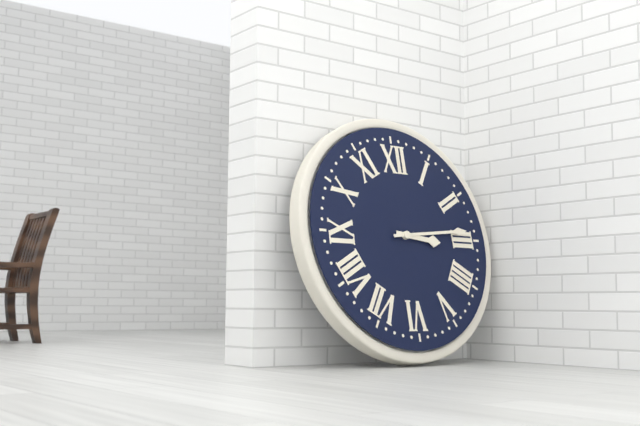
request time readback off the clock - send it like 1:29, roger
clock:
3:14
